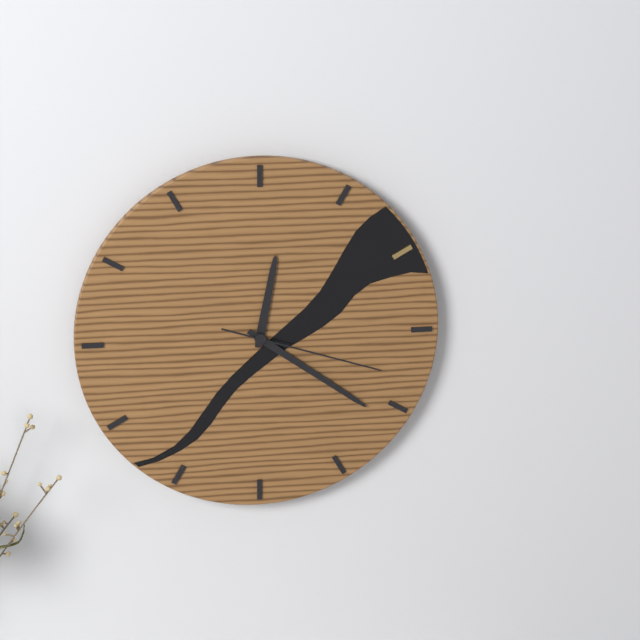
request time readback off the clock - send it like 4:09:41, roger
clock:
12:21:18
